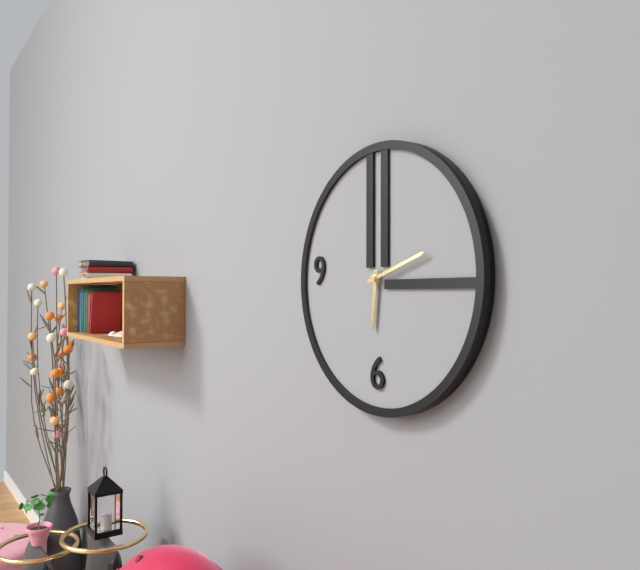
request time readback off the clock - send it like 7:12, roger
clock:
6:12
